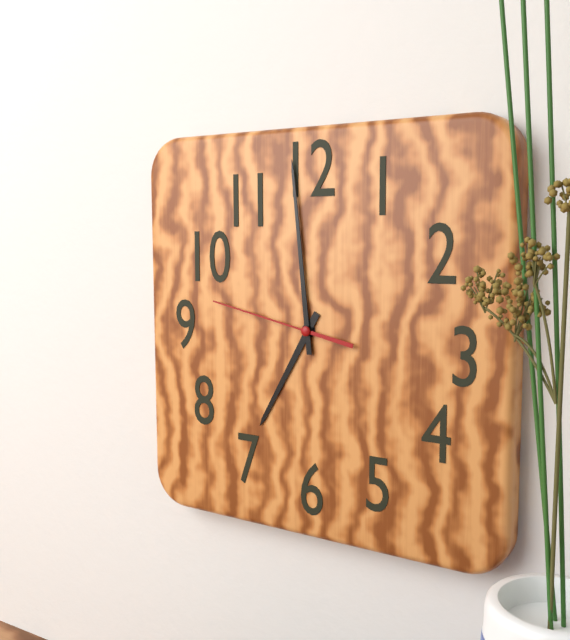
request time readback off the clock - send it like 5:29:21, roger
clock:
6:59:47
